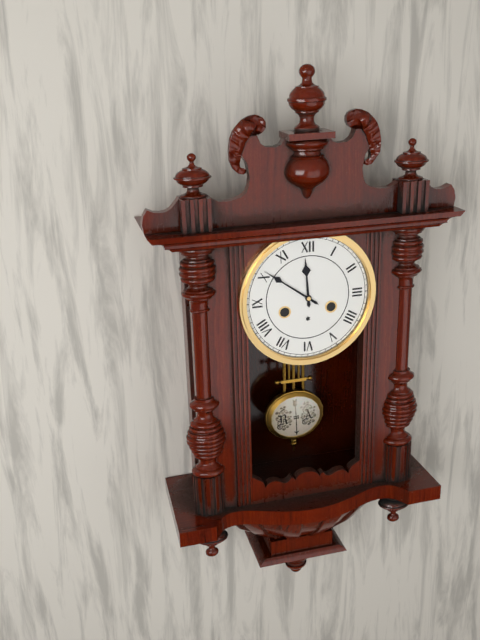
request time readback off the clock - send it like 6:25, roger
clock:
11:51
